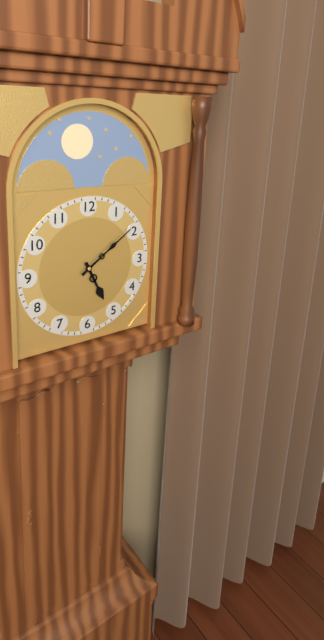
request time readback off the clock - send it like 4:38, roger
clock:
5:09
